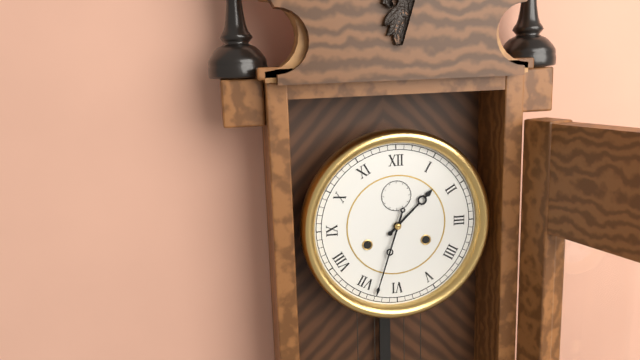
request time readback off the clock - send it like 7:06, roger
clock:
1:33
